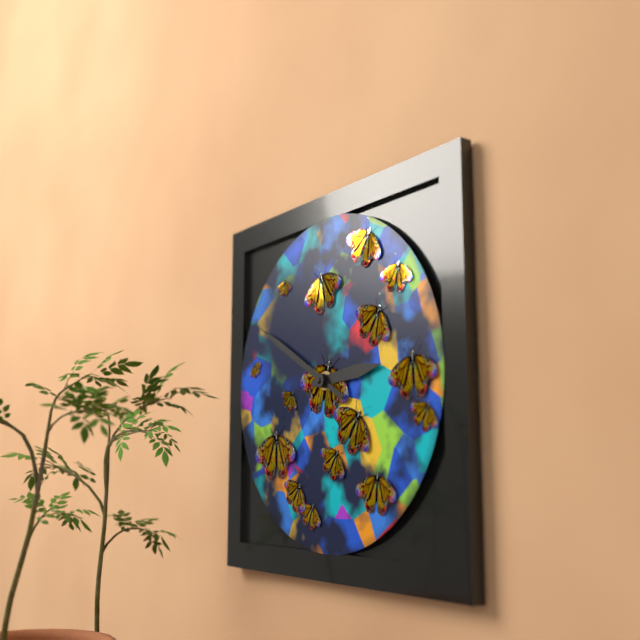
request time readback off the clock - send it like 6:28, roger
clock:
2:50
